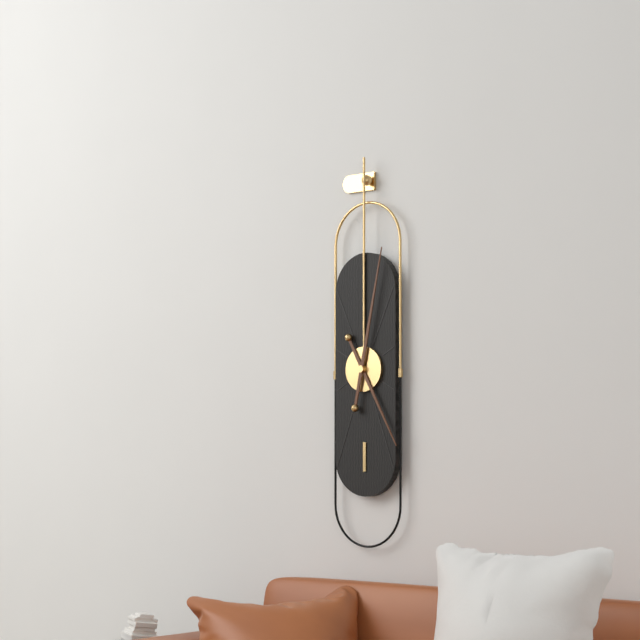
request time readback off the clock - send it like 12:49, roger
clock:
5:02
